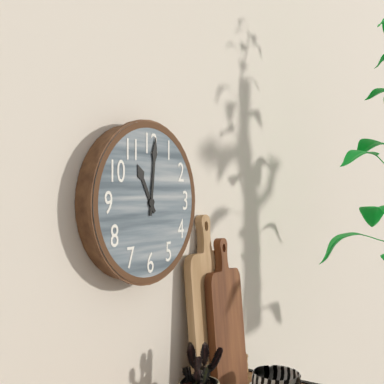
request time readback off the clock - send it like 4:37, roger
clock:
11:01
